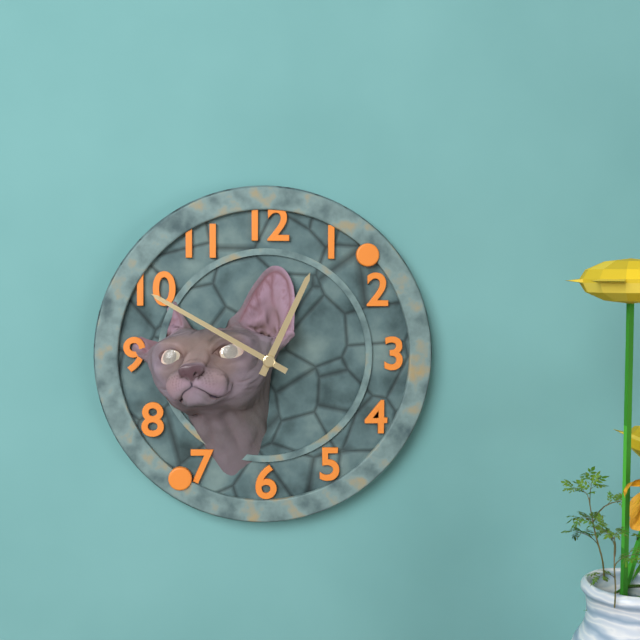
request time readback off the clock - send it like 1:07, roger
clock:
12:50
